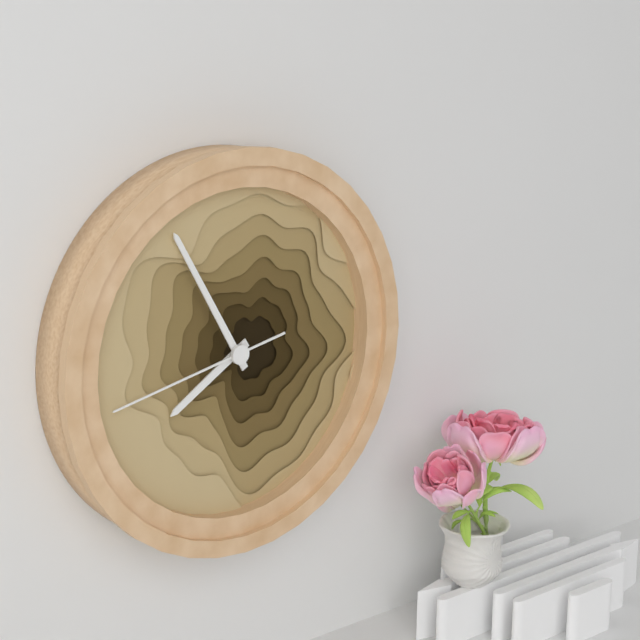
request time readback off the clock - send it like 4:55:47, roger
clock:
7:55:43
